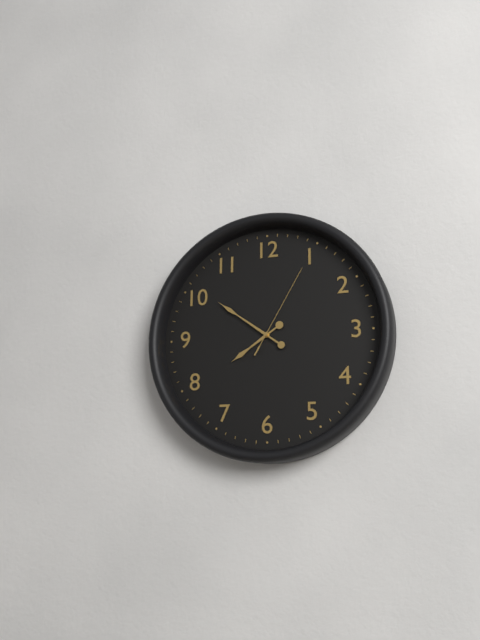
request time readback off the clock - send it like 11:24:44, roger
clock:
7:51:05
